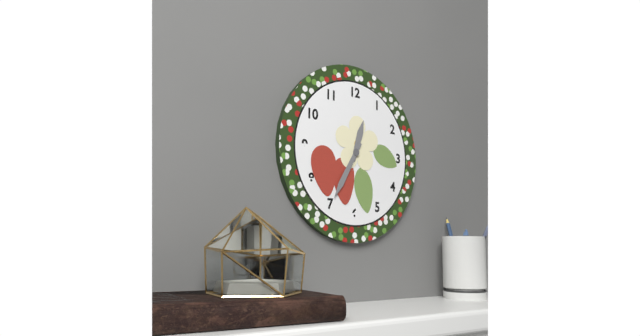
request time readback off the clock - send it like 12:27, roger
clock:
12:35
